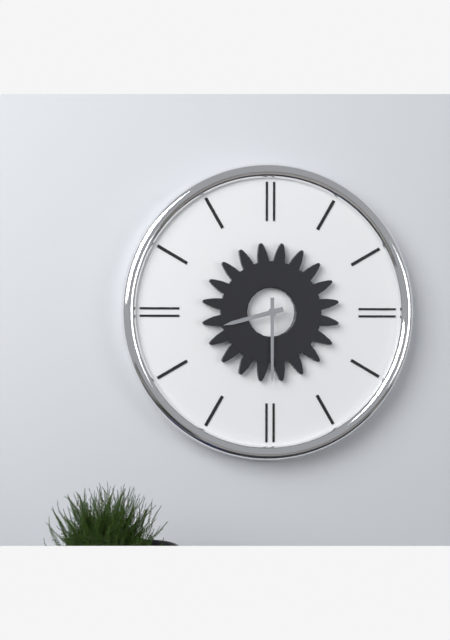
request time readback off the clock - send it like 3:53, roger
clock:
8:30
